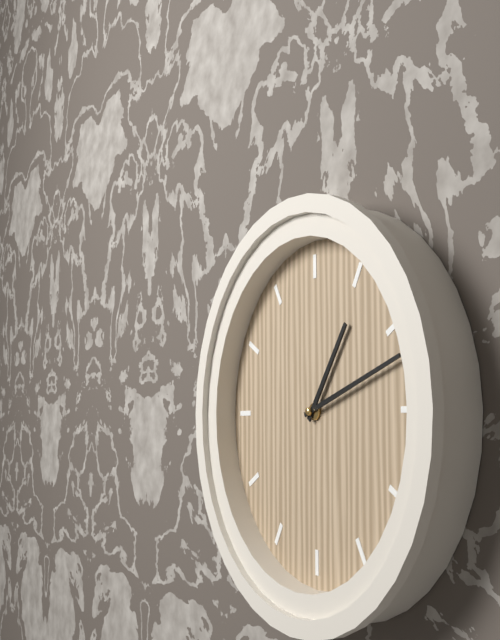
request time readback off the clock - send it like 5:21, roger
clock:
1:12
